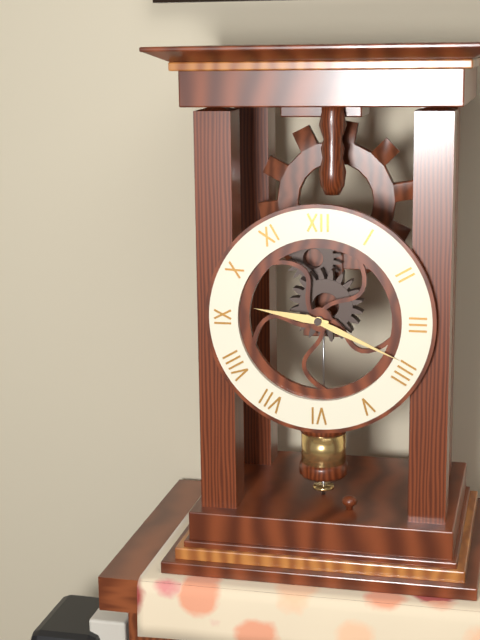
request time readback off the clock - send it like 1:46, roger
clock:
9:19
